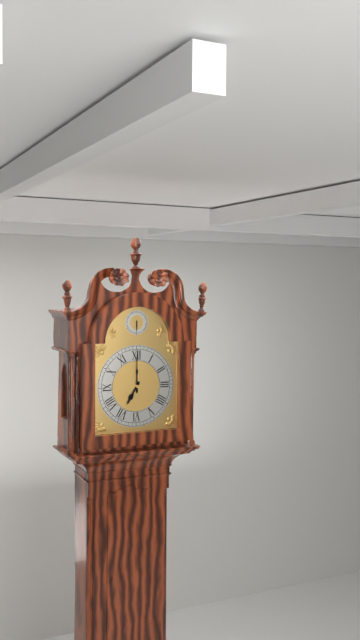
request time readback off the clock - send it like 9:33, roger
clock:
7:00
